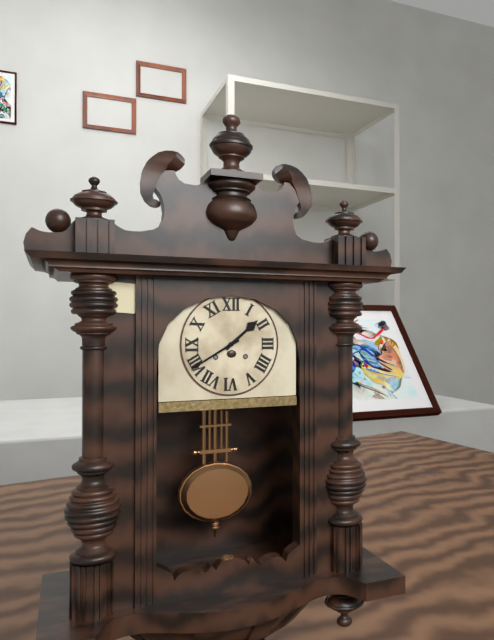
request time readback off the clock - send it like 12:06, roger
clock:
1:40
